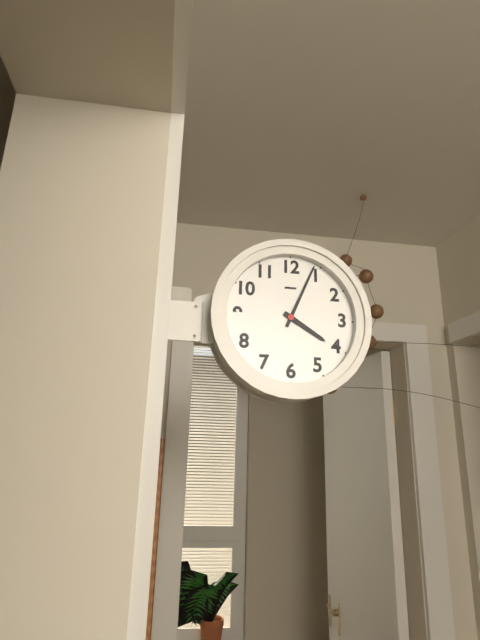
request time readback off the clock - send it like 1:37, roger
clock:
4:04
